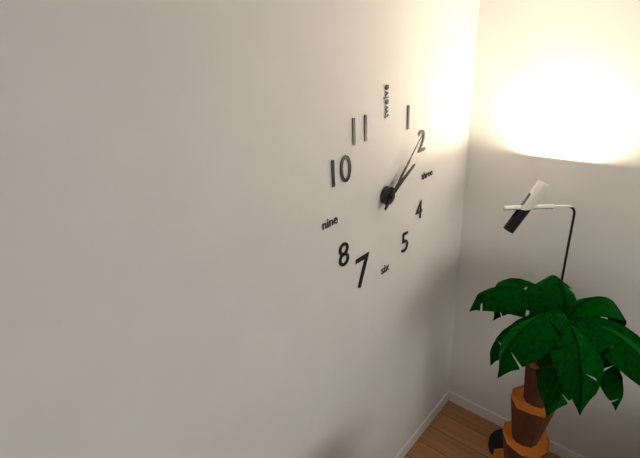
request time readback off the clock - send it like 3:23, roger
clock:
2:08
